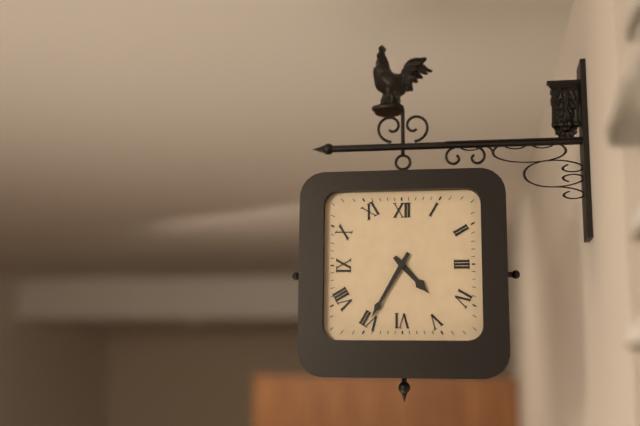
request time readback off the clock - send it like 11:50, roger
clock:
4:35
